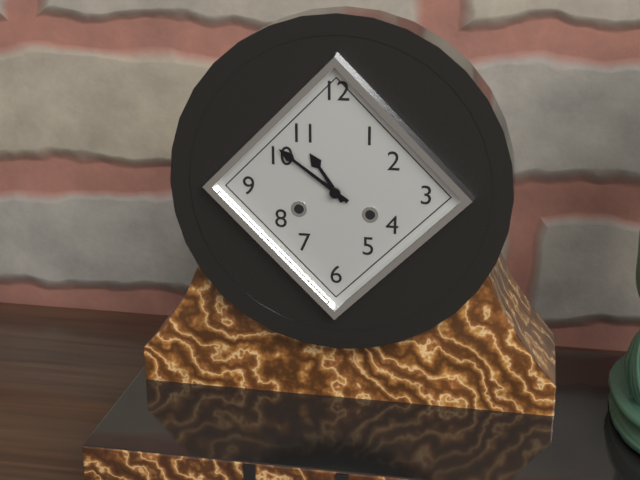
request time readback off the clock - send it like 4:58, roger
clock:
10:51
